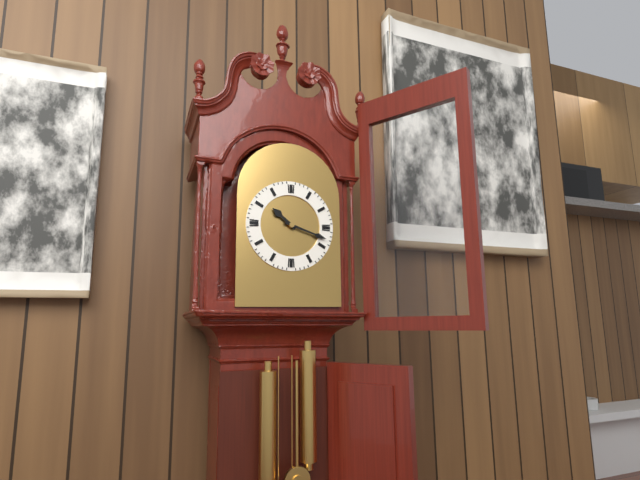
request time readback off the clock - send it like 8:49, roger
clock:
10:18
